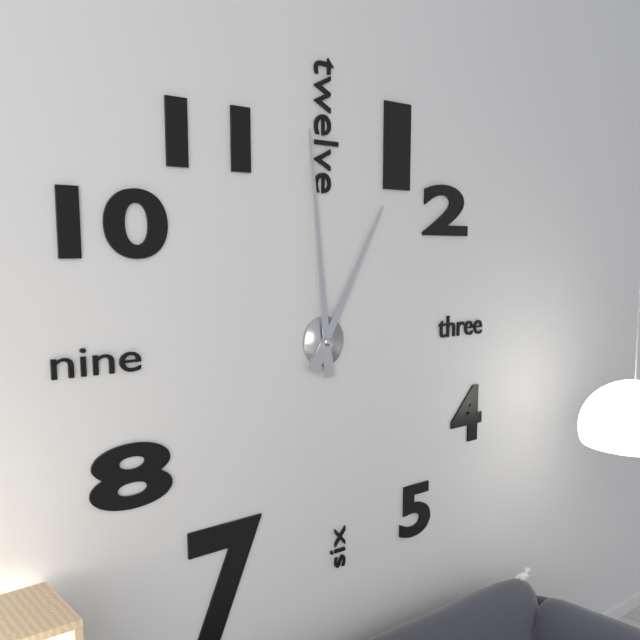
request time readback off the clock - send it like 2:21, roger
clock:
12:59
